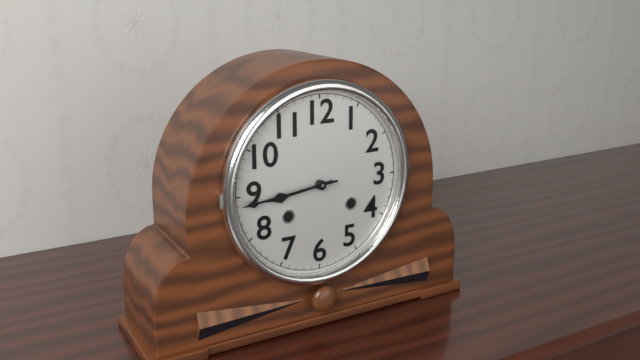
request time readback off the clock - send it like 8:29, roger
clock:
8:44
